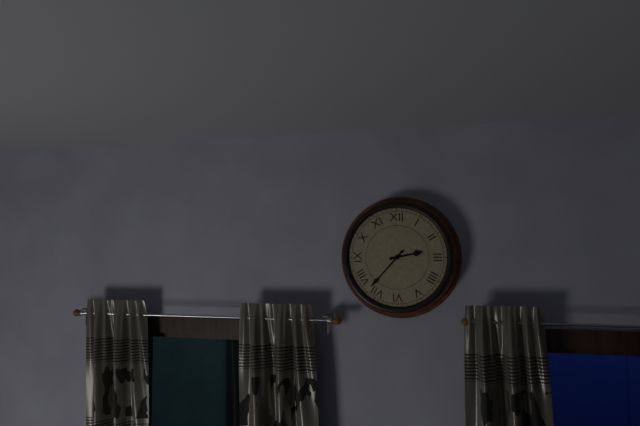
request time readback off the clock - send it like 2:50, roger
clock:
2:37
